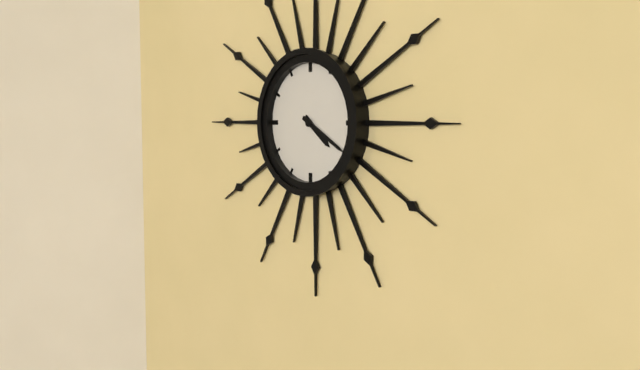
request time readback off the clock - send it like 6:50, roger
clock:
4:20
